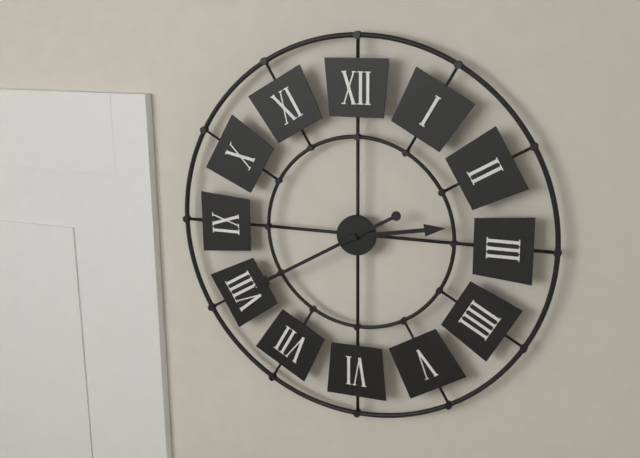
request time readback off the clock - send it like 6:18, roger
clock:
2:40
